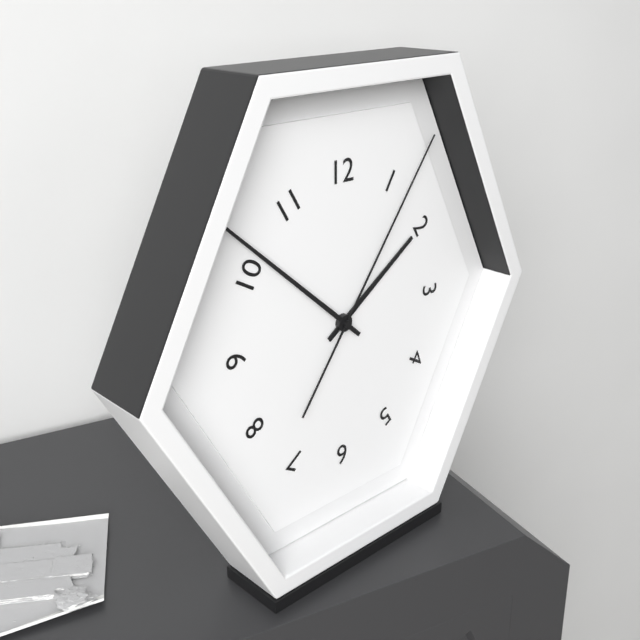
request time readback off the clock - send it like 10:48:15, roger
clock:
1:52:06
